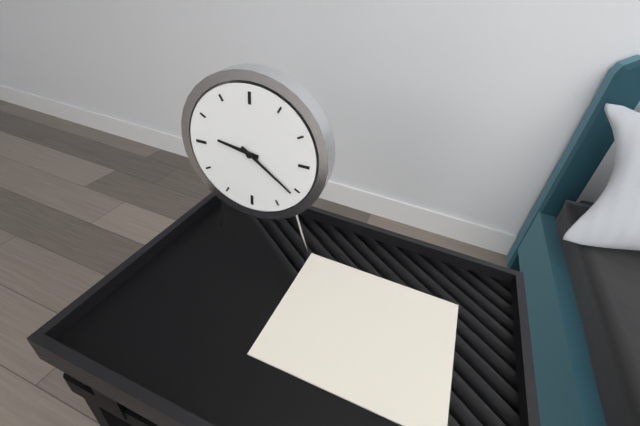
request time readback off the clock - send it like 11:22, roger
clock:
9:21
